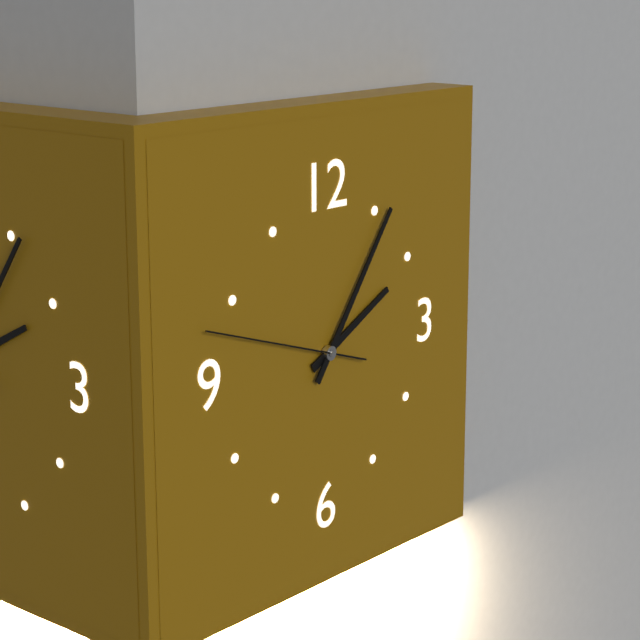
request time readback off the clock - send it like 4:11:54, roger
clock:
2:06:48
